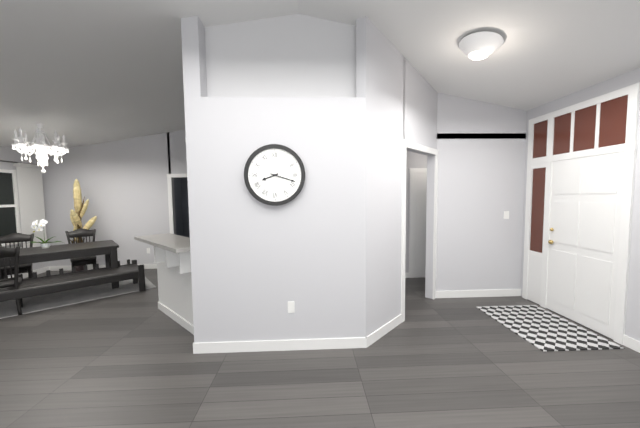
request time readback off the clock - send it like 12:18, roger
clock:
8:18
